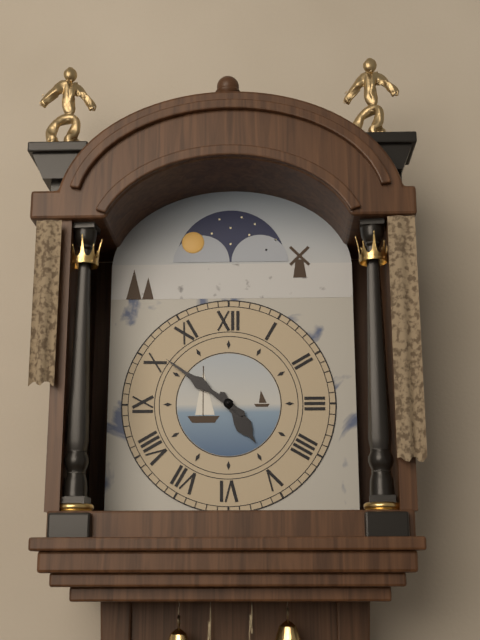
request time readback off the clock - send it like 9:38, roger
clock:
4:51
